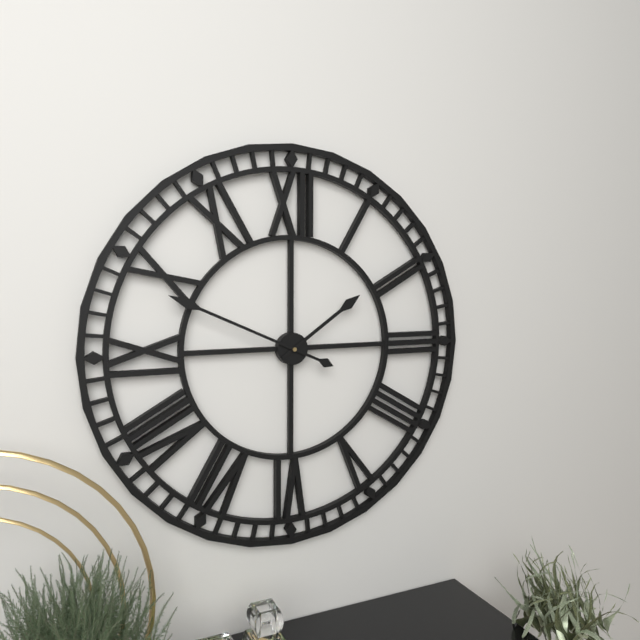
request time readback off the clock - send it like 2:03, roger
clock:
1:49
